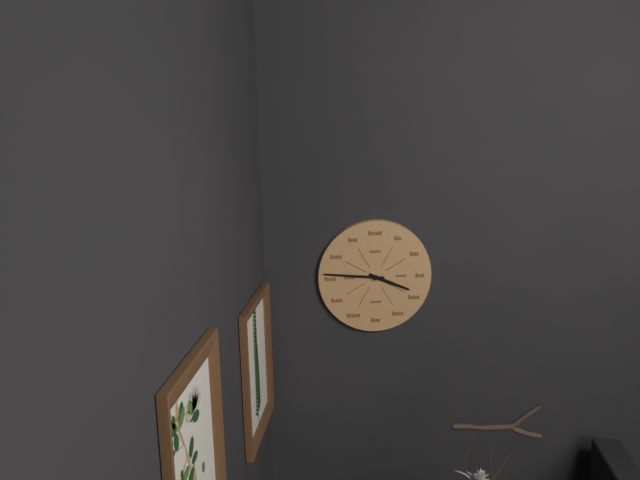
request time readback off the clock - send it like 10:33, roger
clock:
3:46
